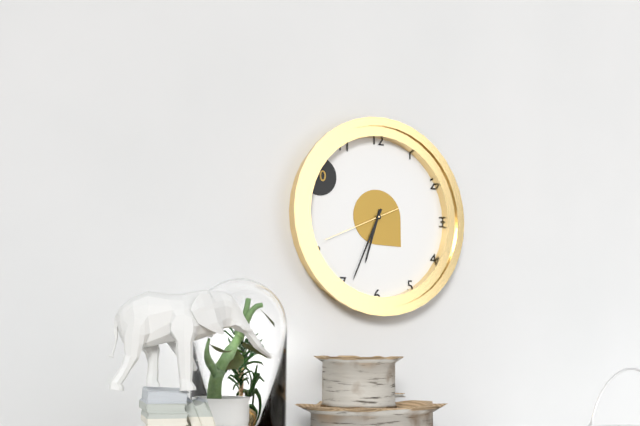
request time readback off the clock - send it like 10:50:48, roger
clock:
6:34:41
